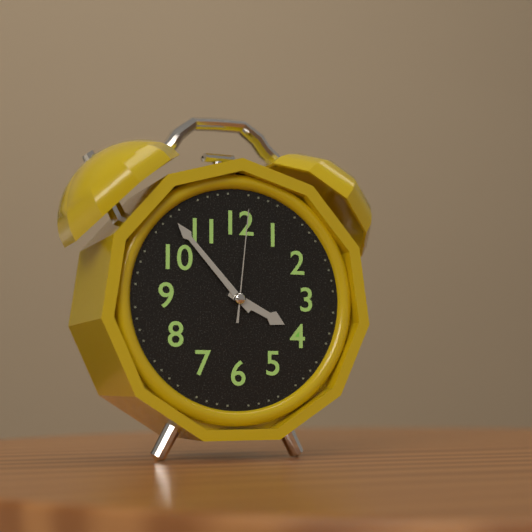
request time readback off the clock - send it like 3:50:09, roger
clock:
3:53:01
